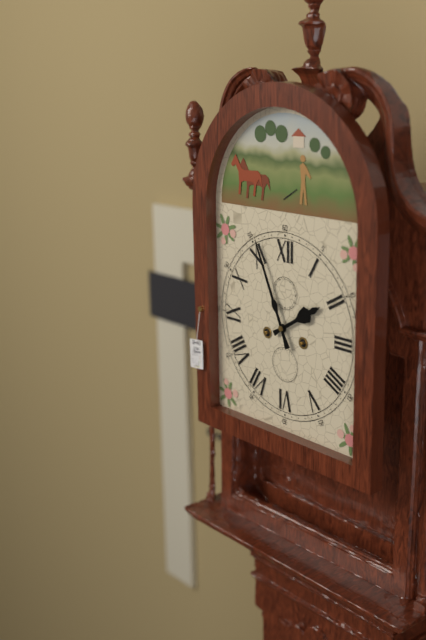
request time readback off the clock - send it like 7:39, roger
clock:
1:56
